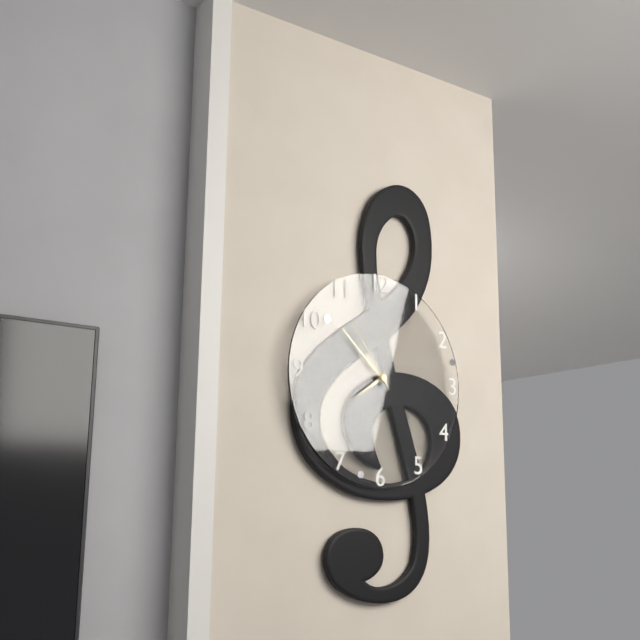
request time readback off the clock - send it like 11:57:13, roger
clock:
7:52:54
